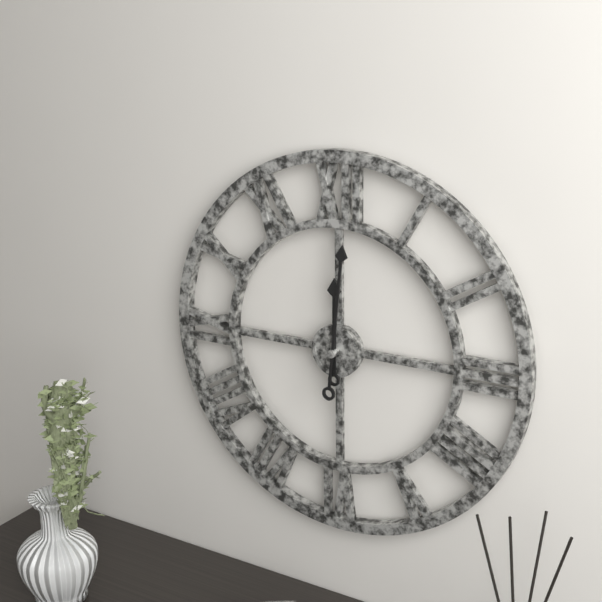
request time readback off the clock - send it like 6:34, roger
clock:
12:01
